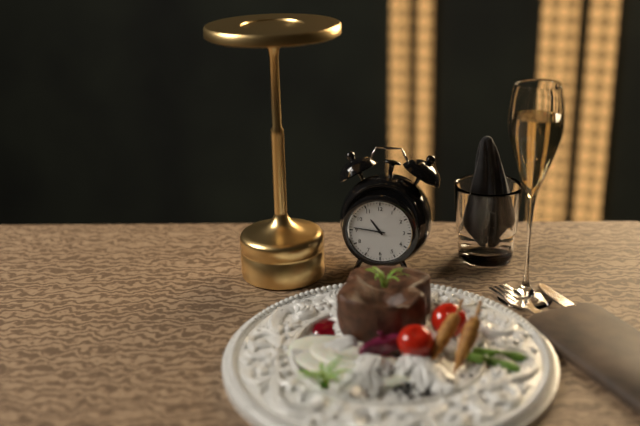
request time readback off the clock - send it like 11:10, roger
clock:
10:46
